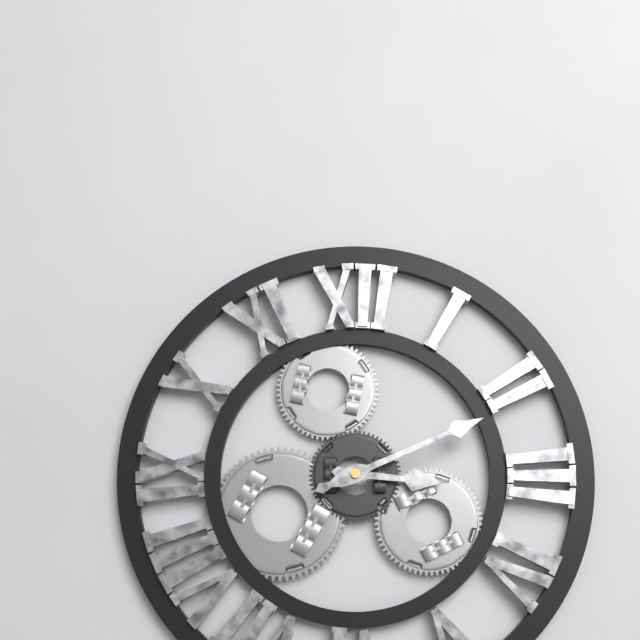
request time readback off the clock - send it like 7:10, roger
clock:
3:11
